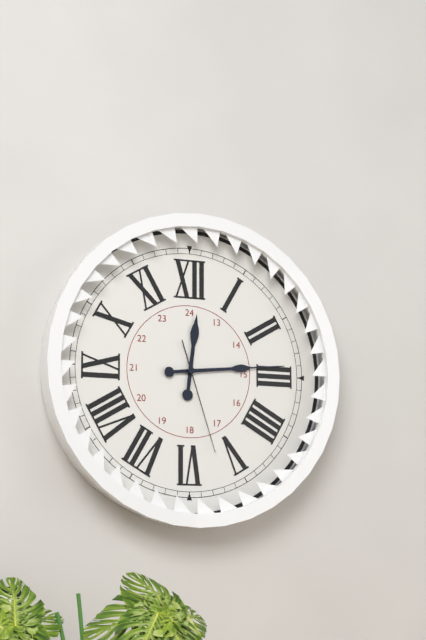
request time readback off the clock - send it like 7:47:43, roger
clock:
12:14:27
